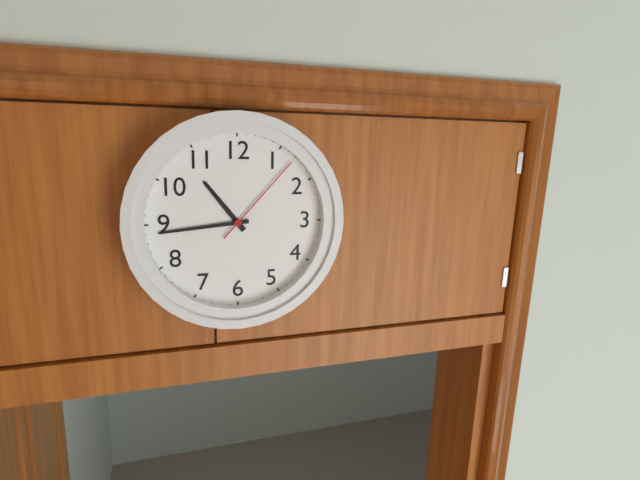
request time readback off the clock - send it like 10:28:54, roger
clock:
10:44:07
